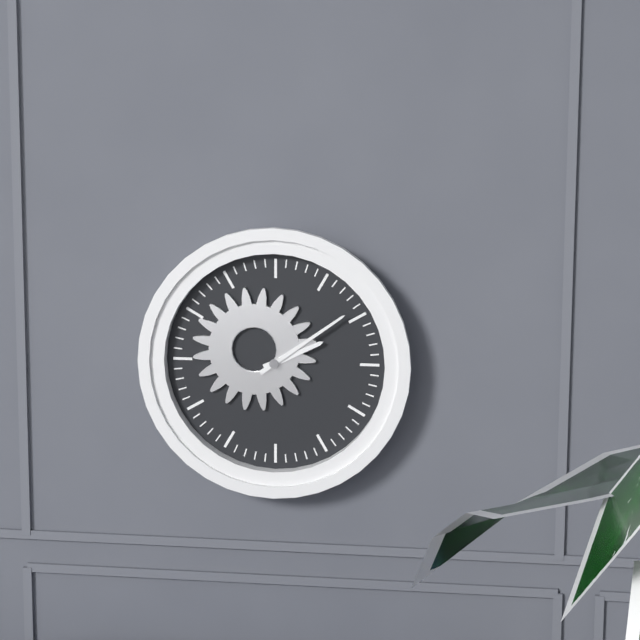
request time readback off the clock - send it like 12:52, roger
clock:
2:09
